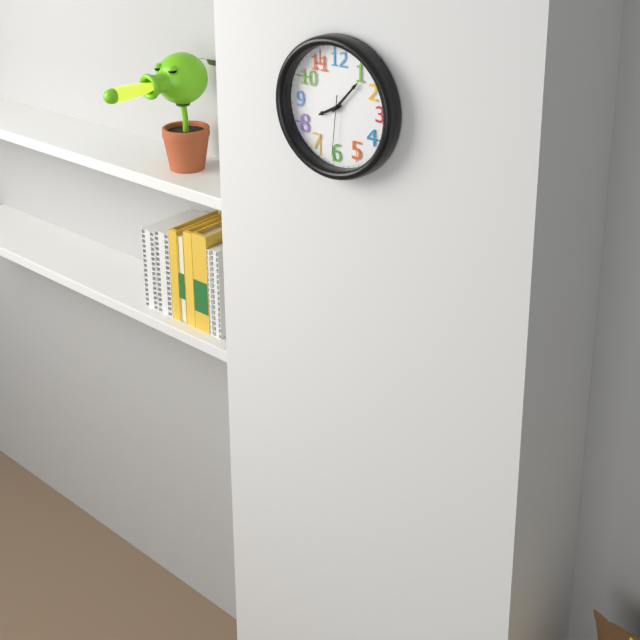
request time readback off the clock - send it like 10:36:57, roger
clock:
8:07:31
